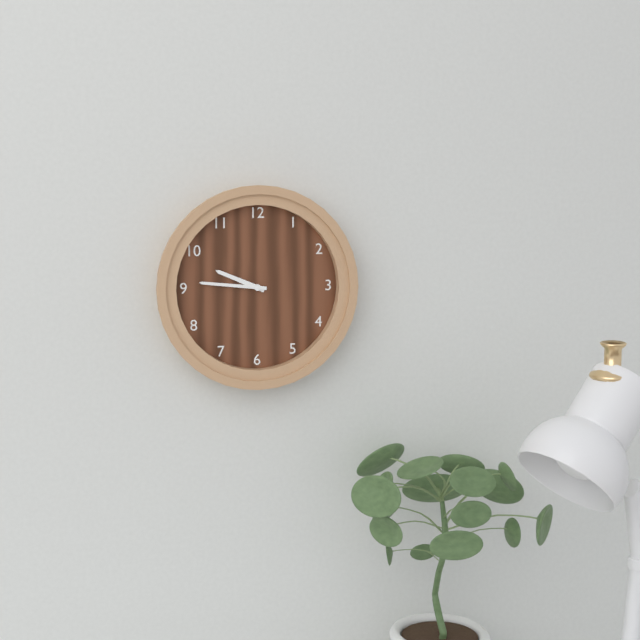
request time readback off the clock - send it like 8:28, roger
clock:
9:46
